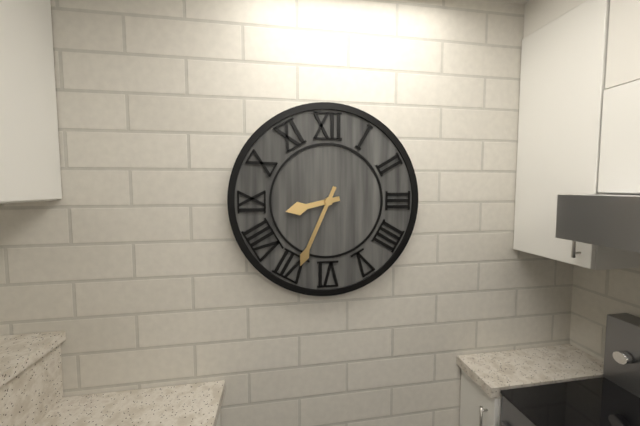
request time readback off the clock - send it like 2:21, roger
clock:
8:34
